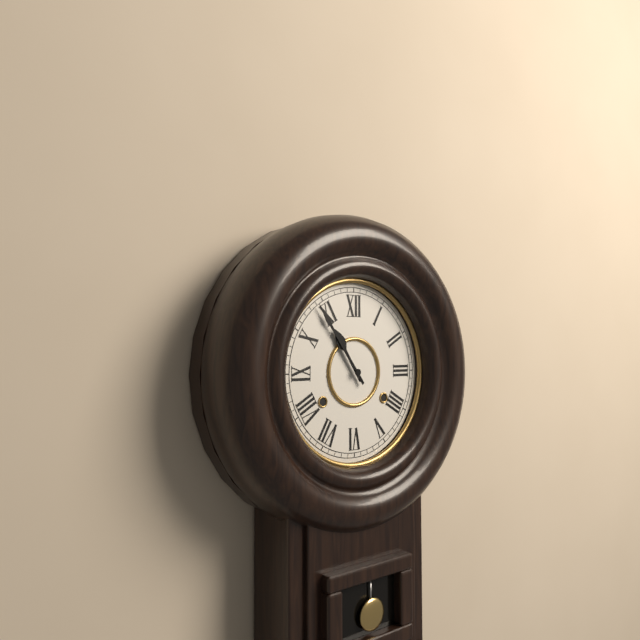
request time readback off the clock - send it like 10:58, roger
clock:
10:54
